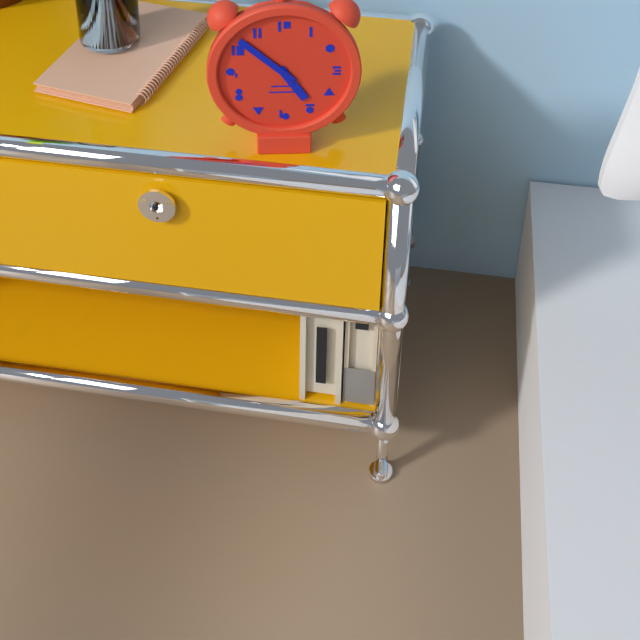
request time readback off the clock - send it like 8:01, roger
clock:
4:52
